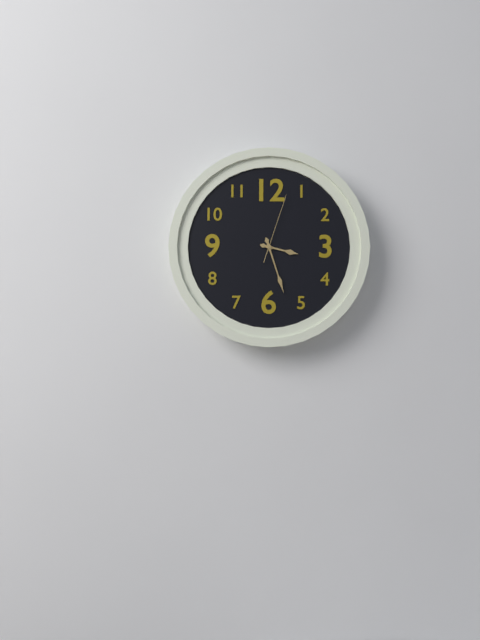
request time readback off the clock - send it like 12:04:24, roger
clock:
3:27:03
